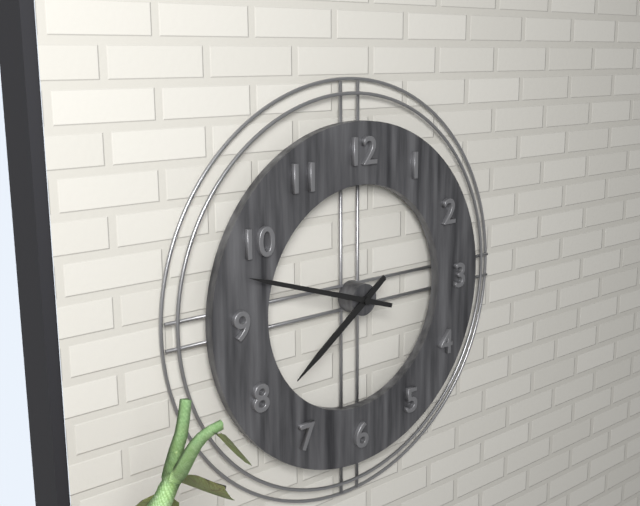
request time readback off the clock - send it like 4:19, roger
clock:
7:48
